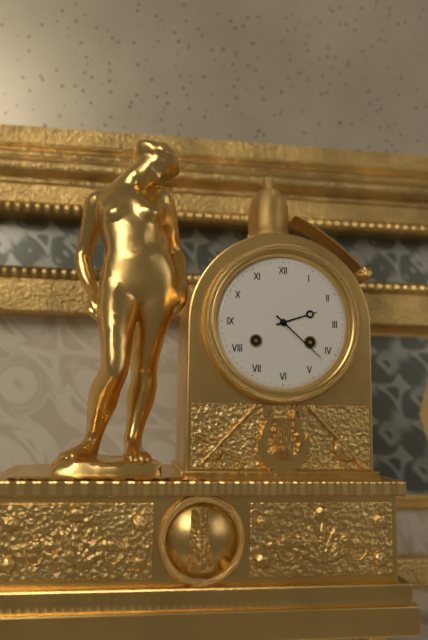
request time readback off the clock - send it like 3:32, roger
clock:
2:22
